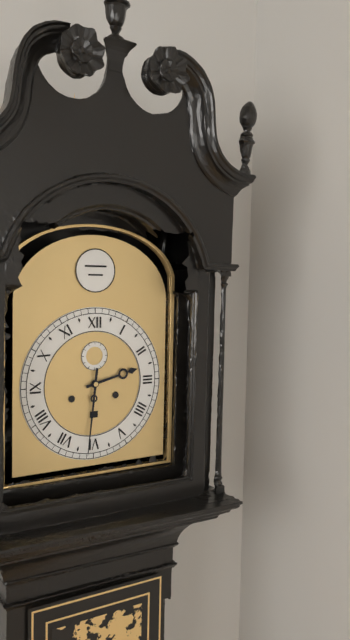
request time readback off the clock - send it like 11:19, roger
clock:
2:31
